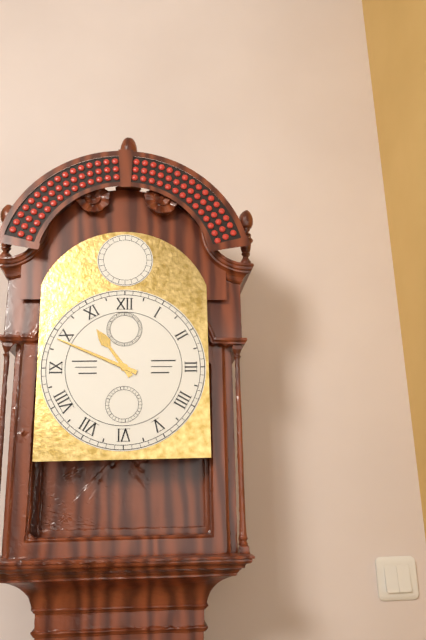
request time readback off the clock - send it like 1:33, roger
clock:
10:49
